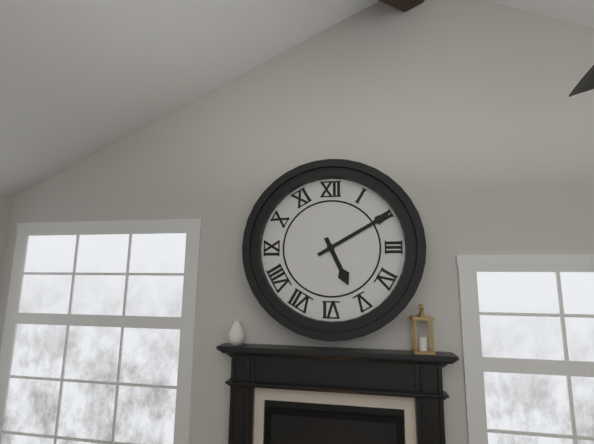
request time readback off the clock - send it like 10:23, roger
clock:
5:10
